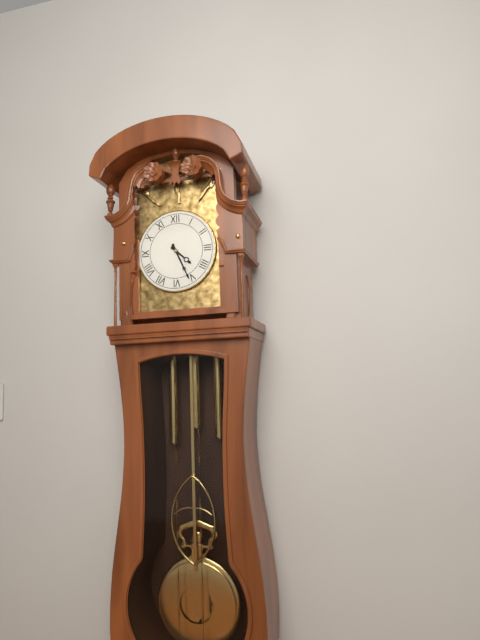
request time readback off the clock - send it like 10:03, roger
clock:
4:26
